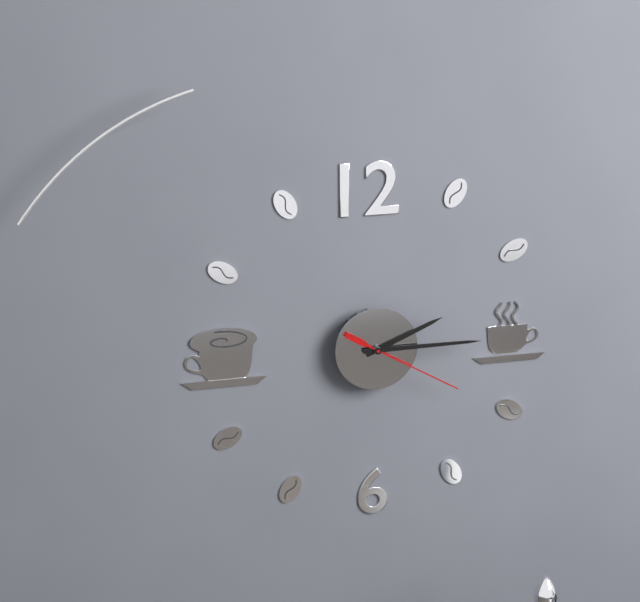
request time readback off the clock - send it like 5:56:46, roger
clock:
2:15:20
